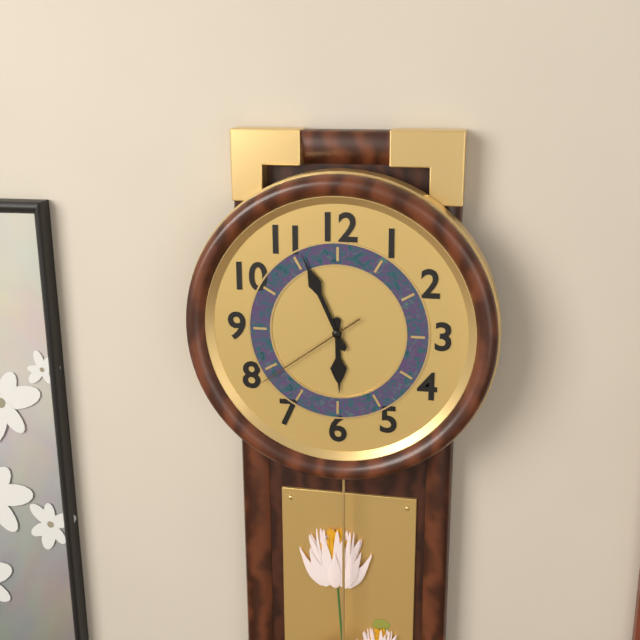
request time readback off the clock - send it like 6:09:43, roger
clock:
5:56:39
